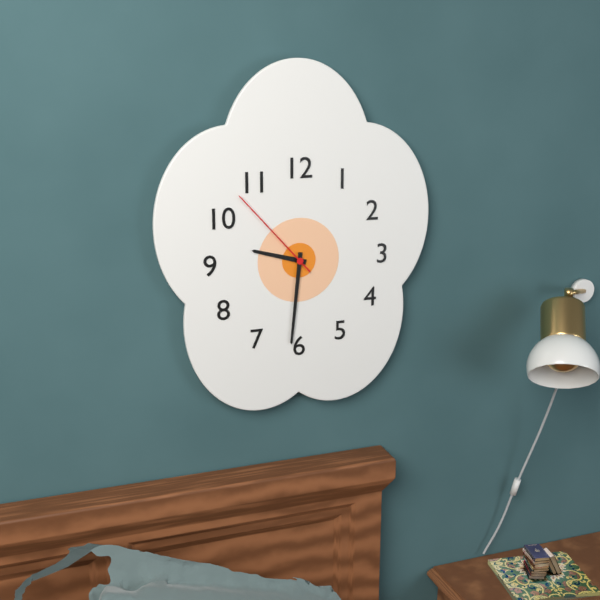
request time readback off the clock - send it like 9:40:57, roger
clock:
9:31:53
